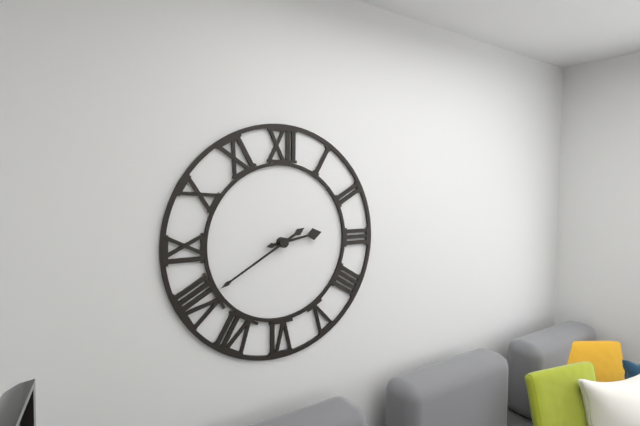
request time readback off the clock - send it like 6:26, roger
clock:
2:40
